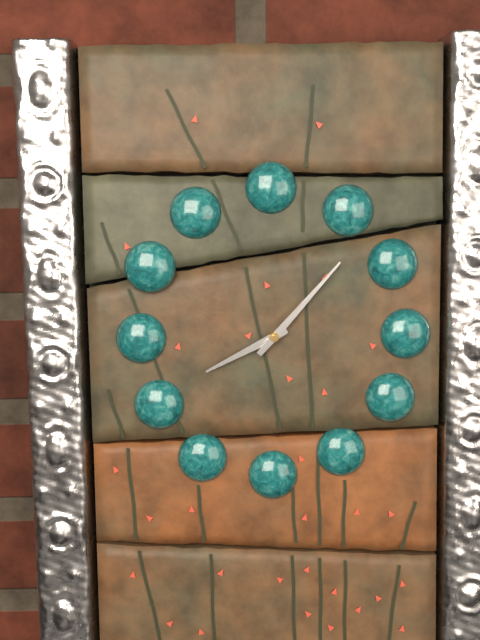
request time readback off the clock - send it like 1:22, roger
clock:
8:07
